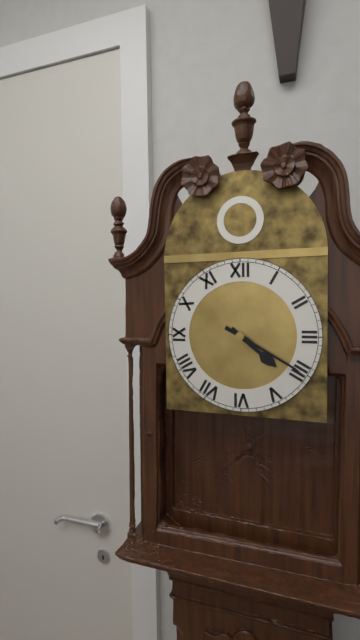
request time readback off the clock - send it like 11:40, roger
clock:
4:20
